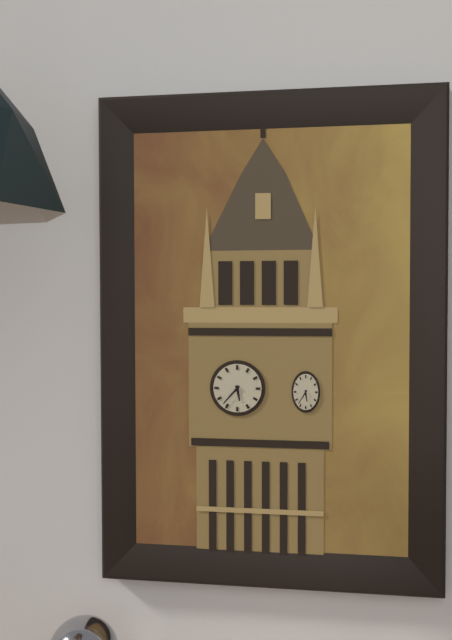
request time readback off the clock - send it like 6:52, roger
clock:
5:37
